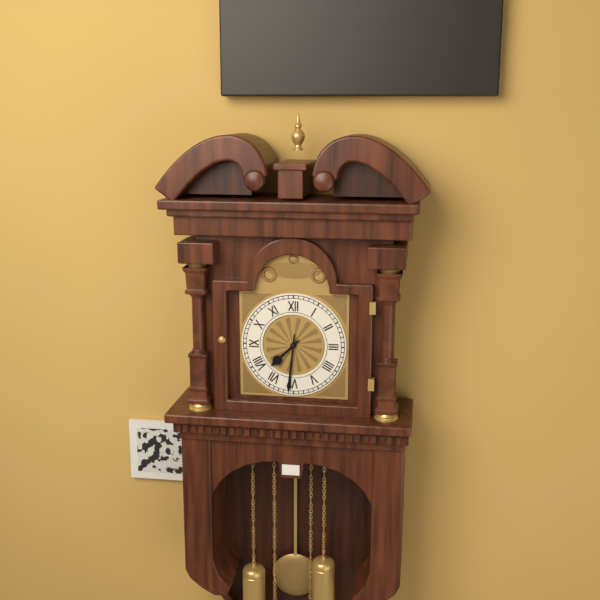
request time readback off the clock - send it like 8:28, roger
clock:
7:31
